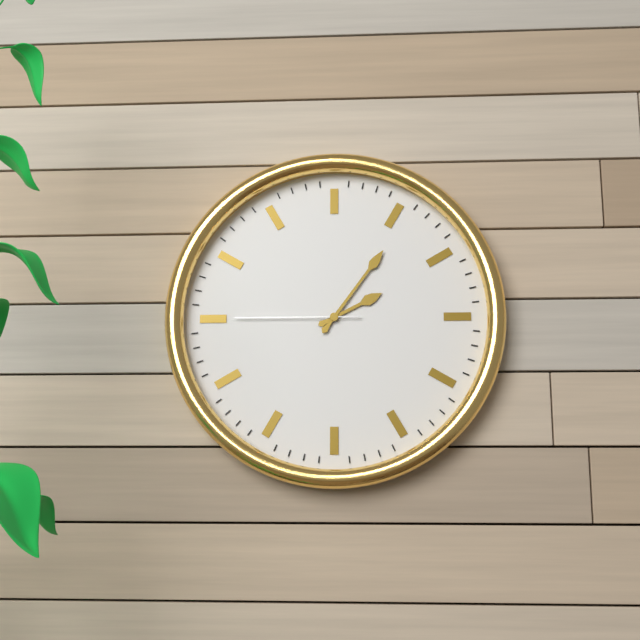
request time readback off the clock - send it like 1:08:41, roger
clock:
2:06:45
